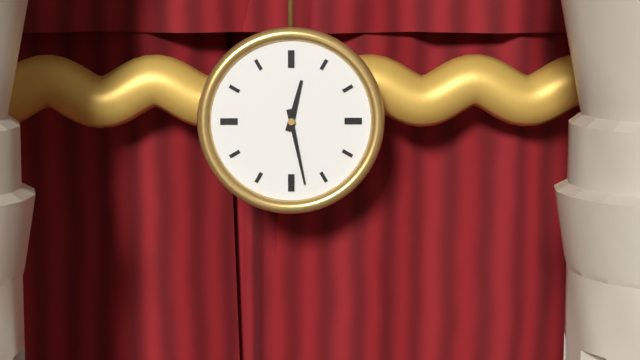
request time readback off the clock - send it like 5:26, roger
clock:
12:28
